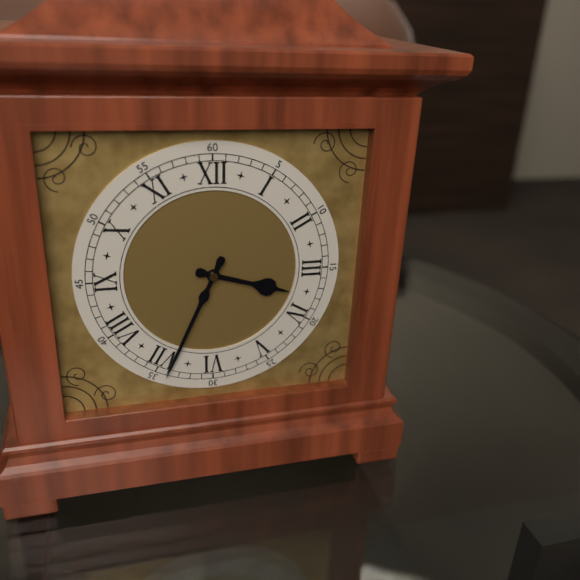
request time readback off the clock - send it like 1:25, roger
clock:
3:34
